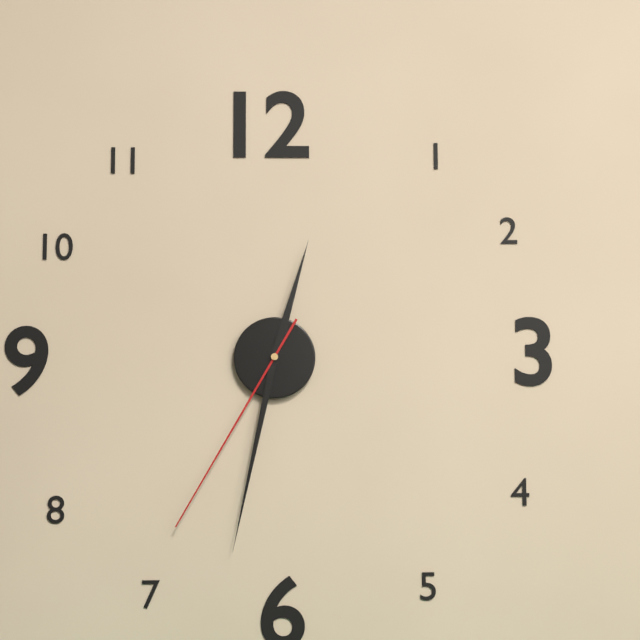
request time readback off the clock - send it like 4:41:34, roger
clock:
12:32:35
